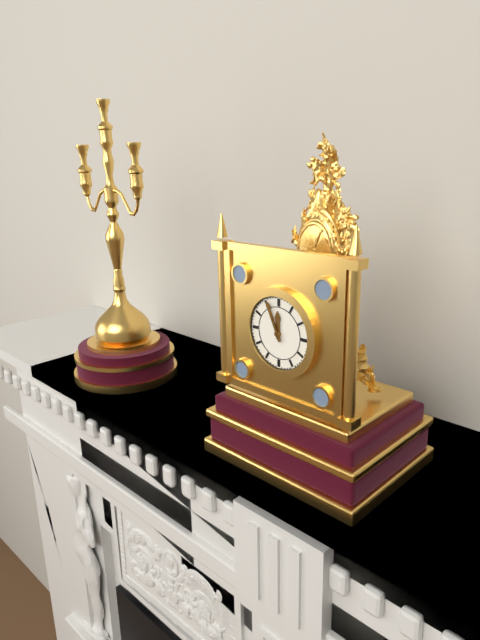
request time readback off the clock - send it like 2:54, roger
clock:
11:56
